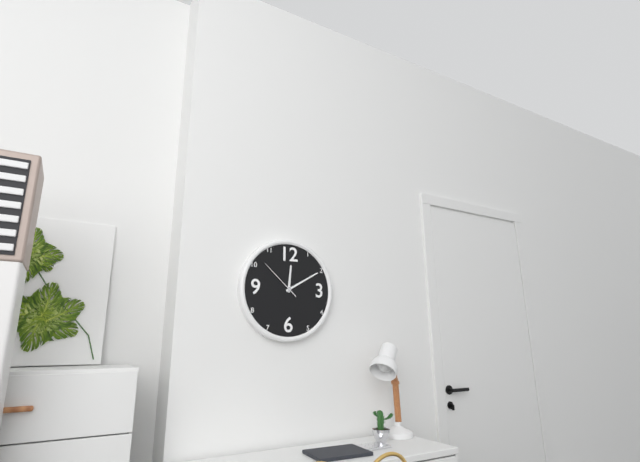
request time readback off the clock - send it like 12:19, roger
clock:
12:10
